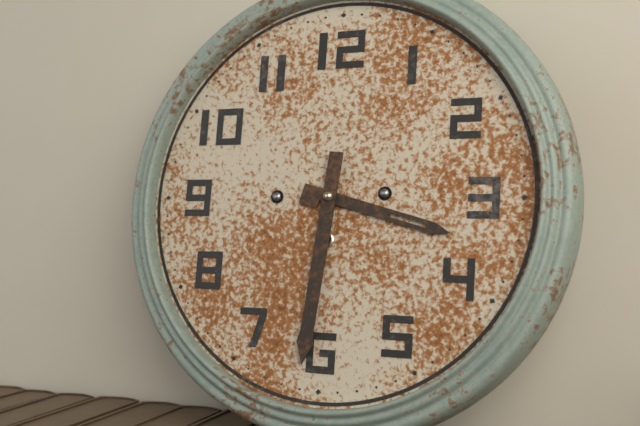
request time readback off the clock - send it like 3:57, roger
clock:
3:31
